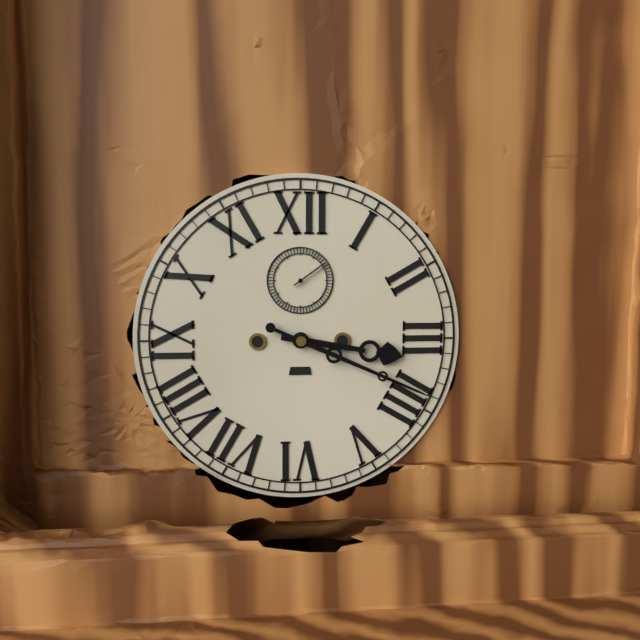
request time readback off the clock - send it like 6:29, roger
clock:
3:19
